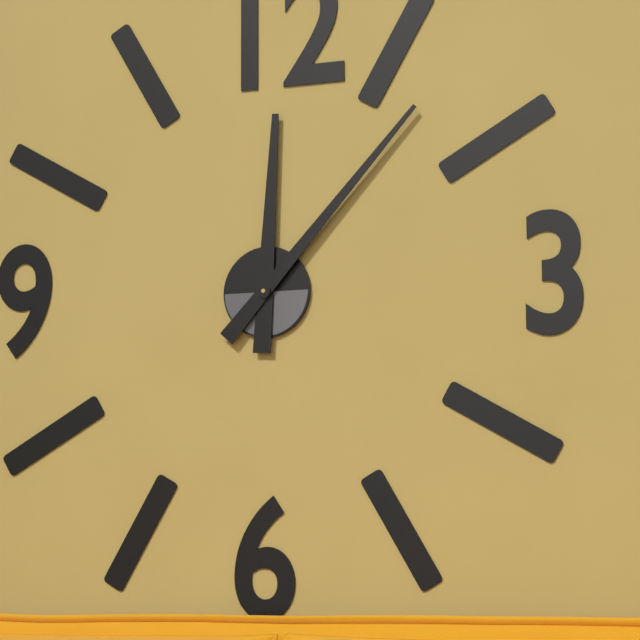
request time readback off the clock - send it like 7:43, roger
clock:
12:07
